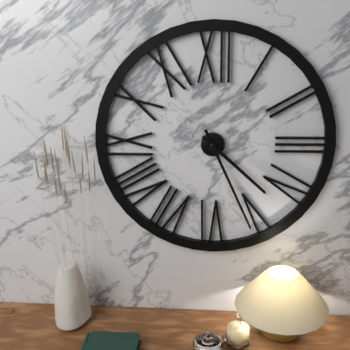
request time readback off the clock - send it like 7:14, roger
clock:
4:26
